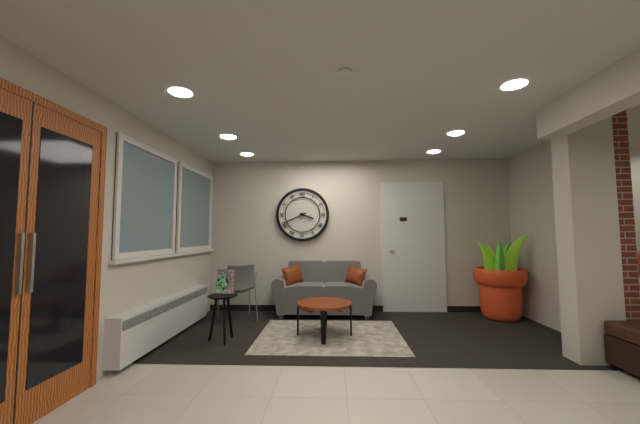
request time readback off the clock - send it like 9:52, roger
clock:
3:41
